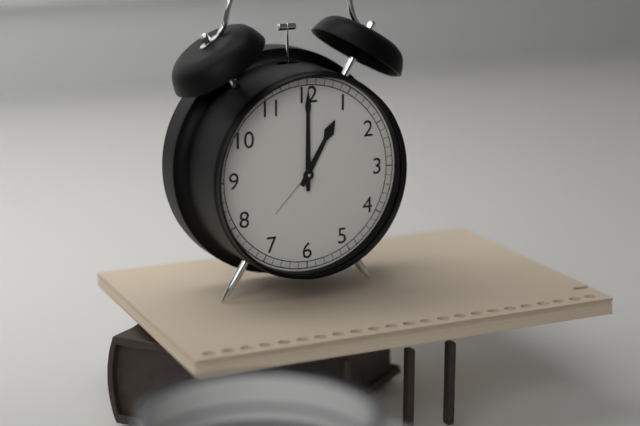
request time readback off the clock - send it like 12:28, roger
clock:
1:00
